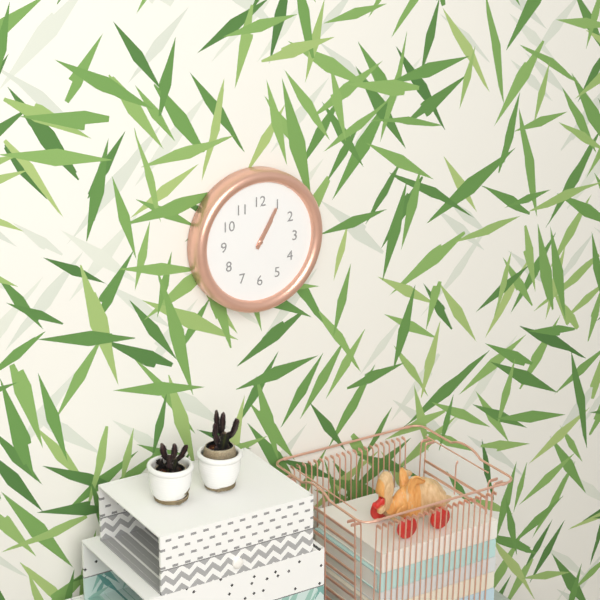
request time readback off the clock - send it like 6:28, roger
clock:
1:05
